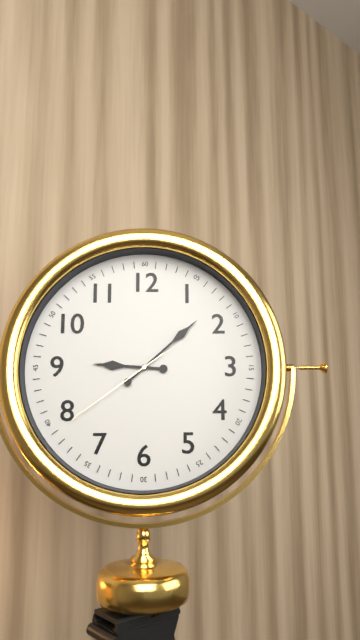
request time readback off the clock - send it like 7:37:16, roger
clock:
9:08:39
